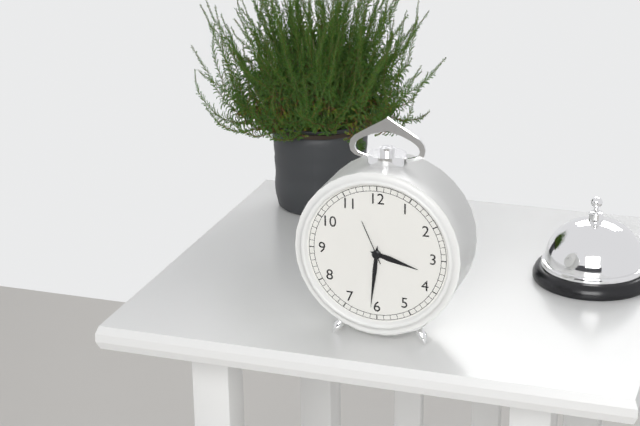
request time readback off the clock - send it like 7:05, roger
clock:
3:31
